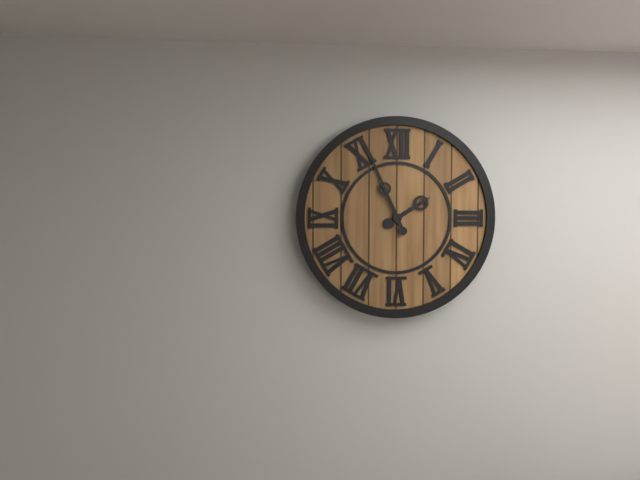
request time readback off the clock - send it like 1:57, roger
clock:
1:56
